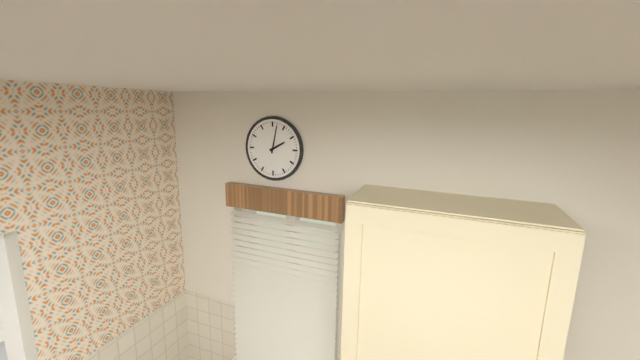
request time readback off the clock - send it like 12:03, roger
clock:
2:02
